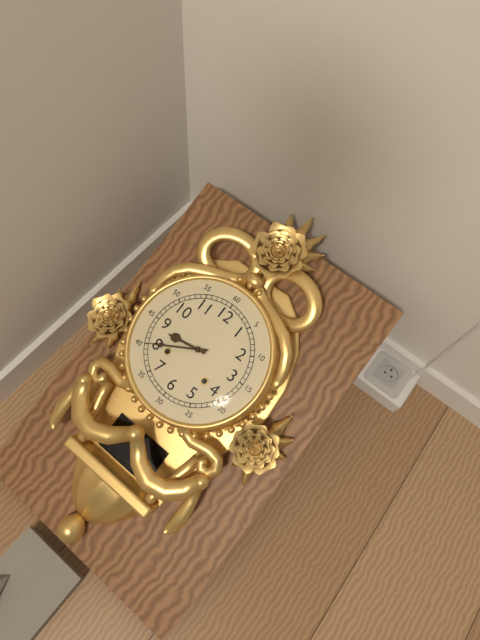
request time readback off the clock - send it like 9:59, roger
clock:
8:40
